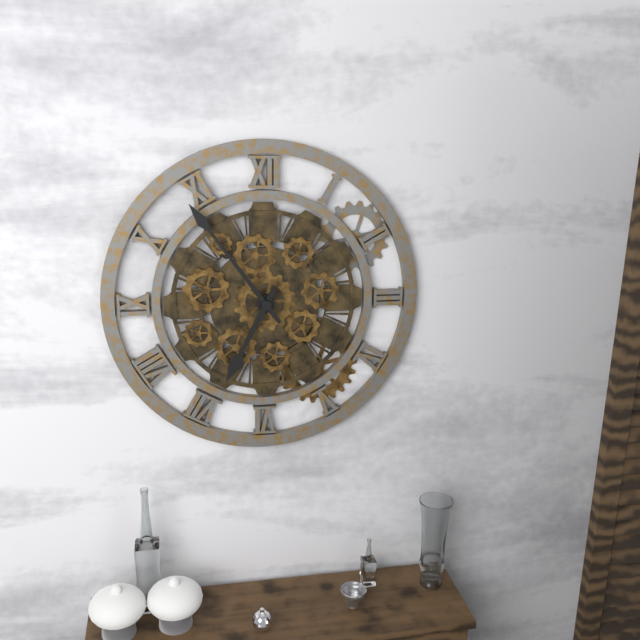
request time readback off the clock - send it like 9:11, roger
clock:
6:54
